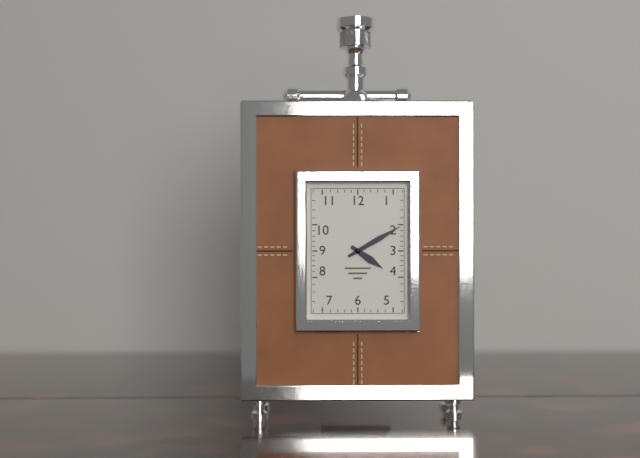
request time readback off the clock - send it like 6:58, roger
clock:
4:10
